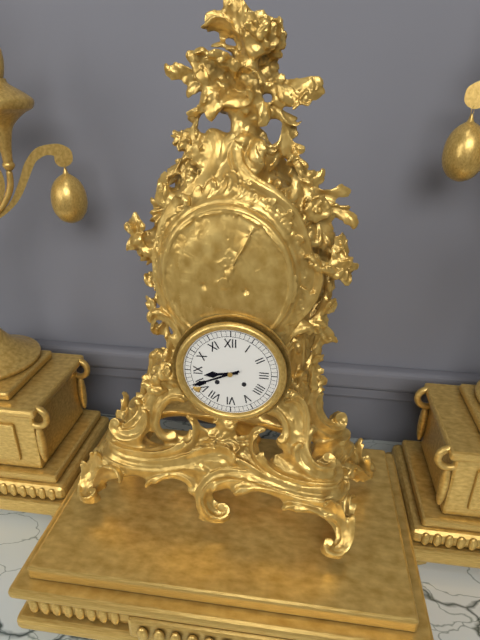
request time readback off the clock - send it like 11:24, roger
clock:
8:41
